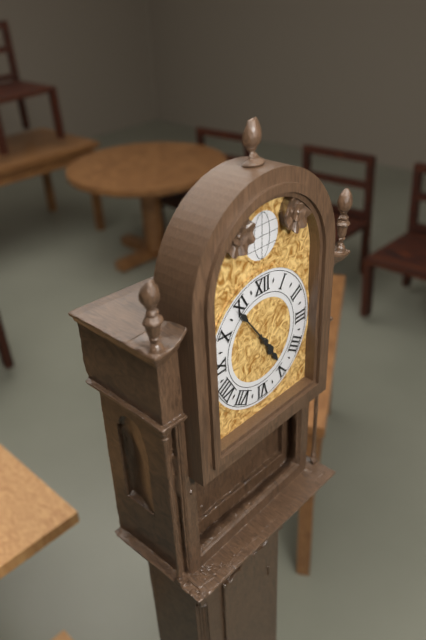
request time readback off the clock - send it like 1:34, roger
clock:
4:54
